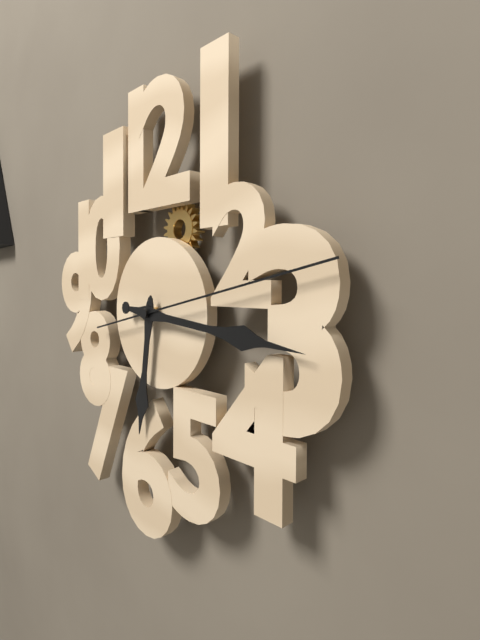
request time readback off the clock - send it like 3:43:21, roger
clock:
6:16:13
